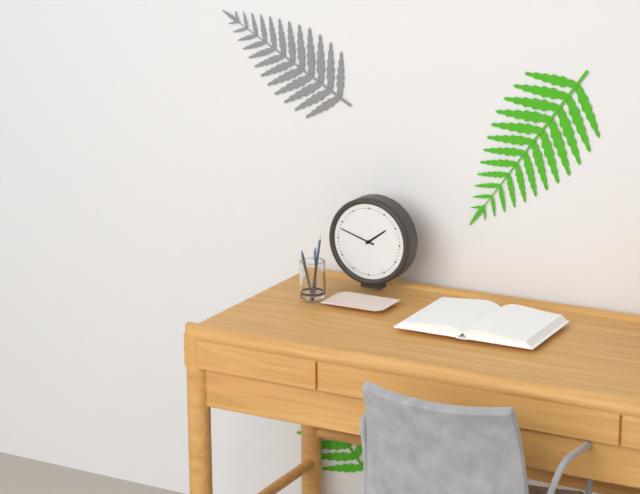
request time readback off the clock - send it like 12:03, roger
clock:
1:48
